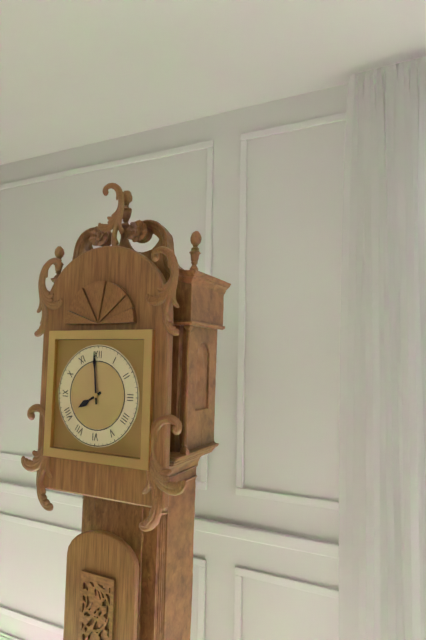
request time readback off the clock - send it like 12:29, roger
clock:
7:59
